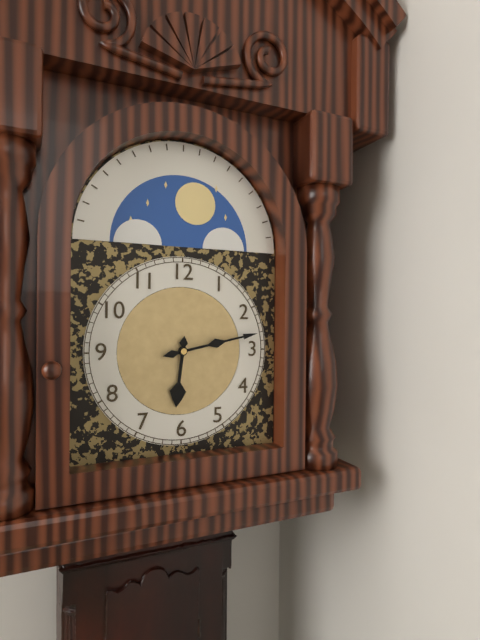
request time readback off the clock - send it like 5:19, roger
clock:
6:13
